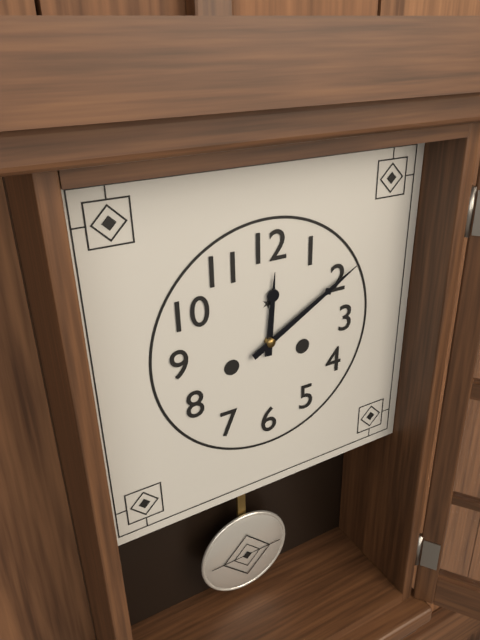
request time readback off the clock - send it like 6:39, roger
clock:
12:10
